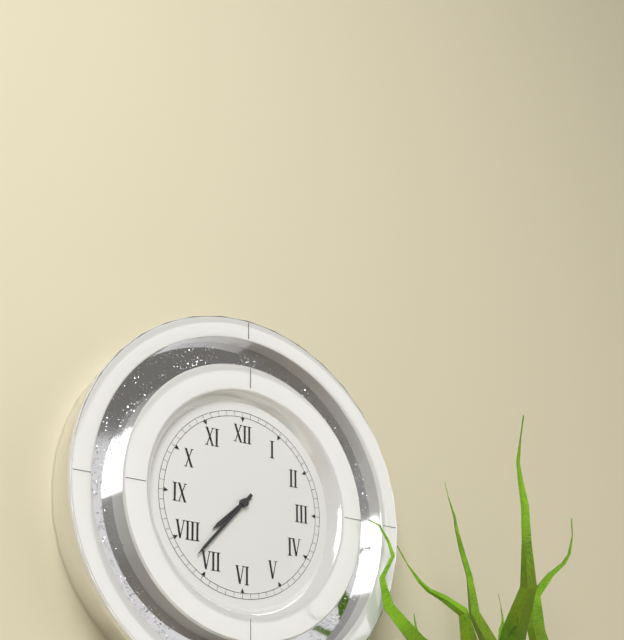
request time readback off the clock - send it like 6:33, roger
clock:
7:37
